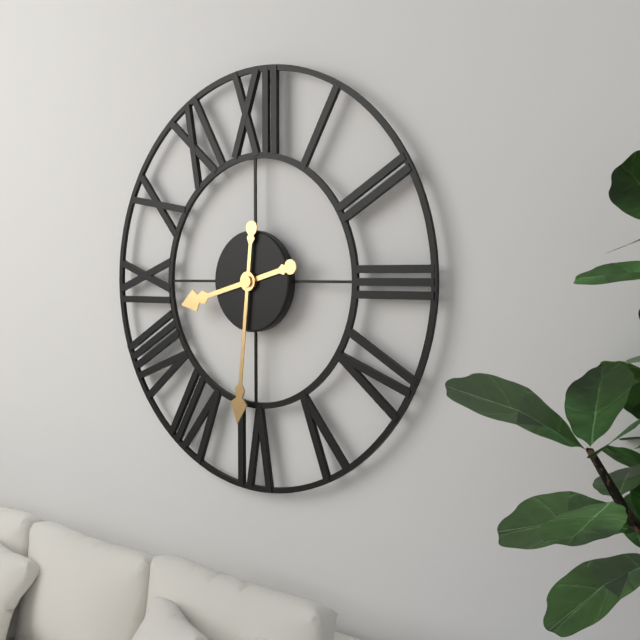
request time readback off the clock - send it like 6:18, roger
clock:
8:31
